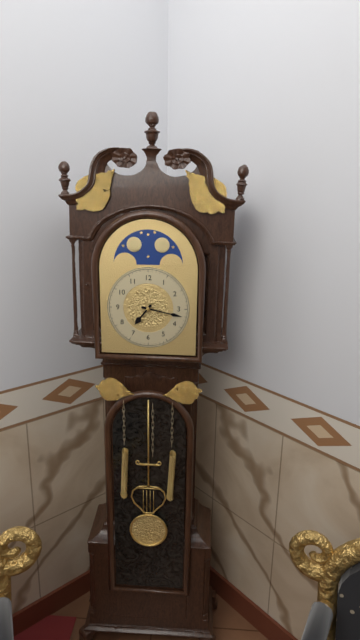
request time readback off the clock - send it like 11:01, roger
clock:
7:17
